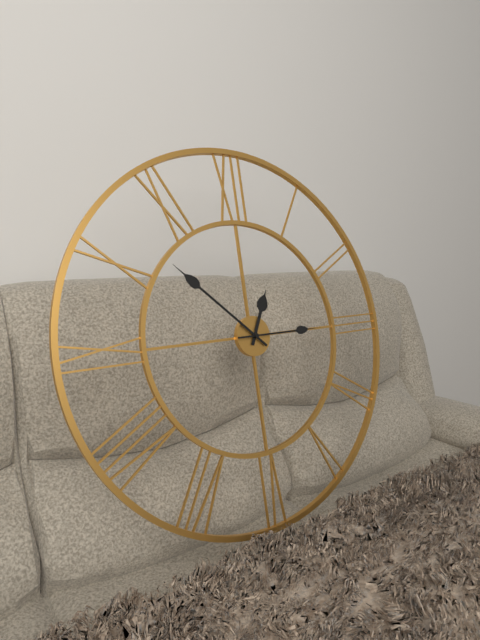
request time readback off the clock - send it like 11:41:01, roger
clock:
12:52:15
